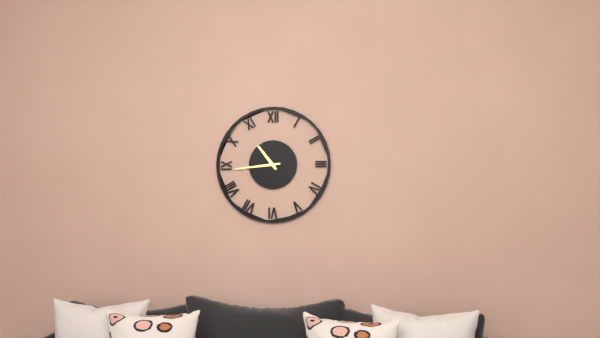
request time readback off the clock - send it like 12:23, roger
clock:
10:44
